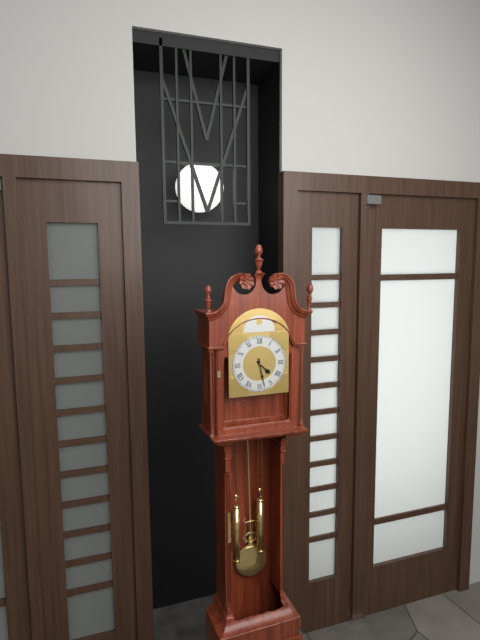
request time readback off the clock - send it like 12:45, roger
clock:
4:28
